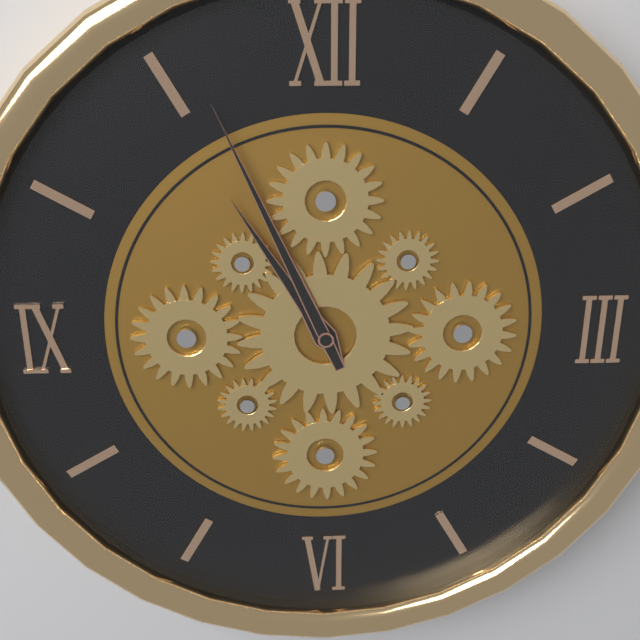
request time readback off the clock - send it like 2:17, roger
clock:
10:56
